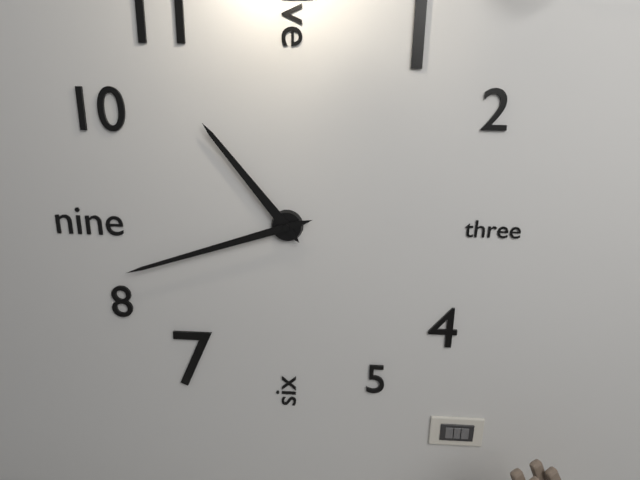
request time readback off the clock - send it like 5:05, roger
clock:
10:42
